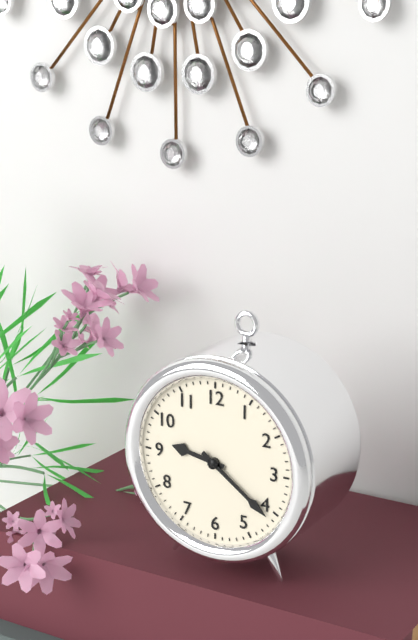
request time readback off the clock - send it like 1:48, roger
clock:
9:21
